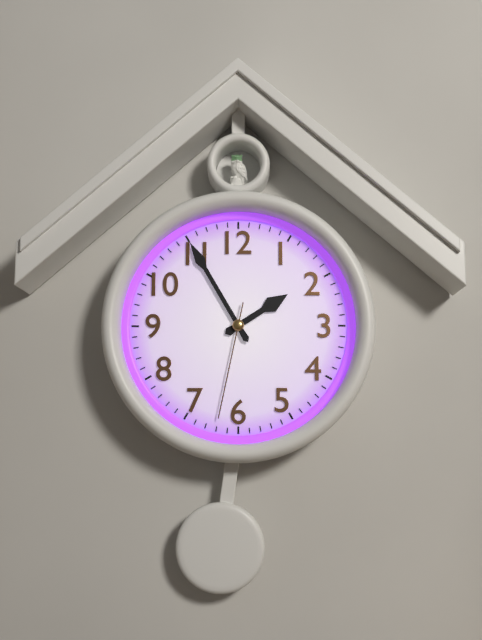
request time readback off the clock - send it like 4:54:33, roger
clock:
1:55:32
